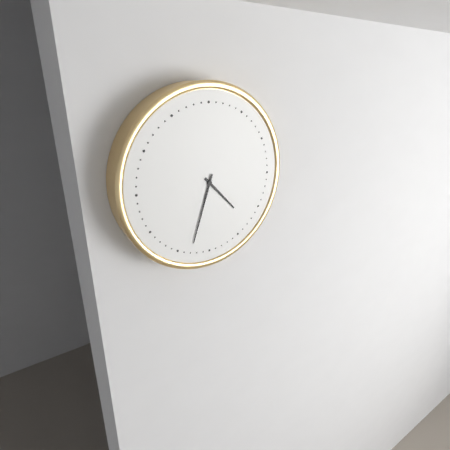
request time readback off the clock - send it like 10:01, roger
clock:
4:33
